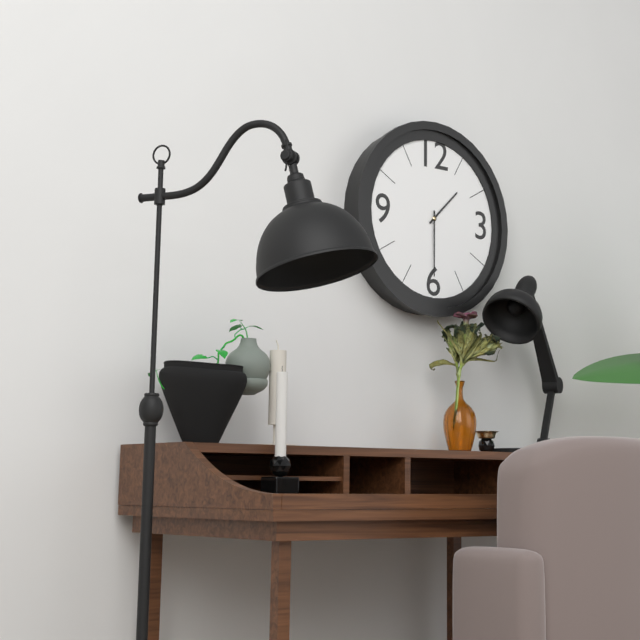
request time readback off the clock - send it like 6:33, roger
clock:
1:30
